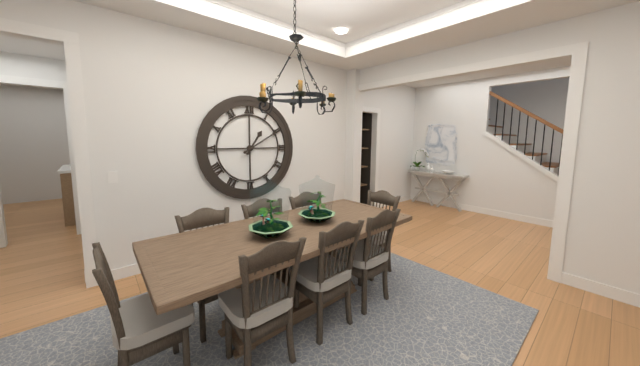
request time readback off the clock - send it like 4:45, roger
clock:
1:10
